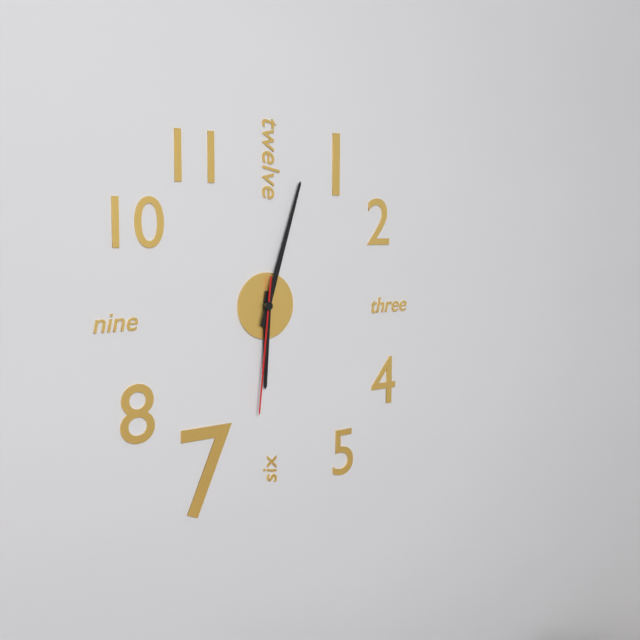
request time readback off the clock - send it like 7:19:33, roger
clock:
6:03:31
